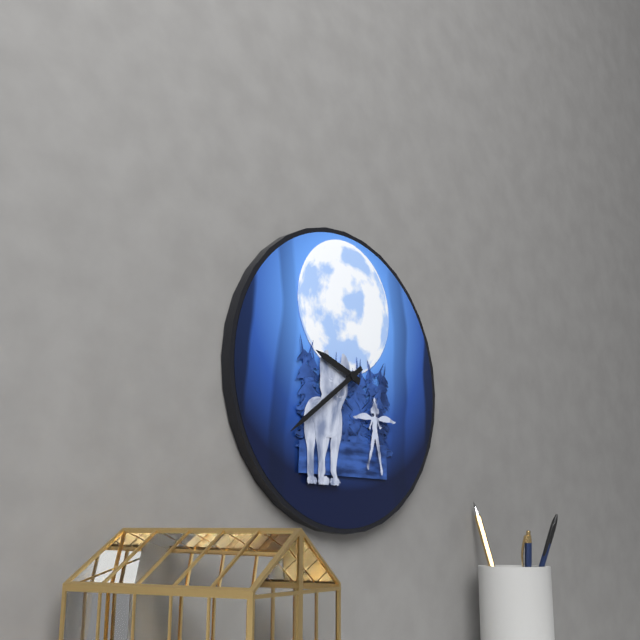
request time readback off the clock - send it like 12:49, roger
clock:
9:39
